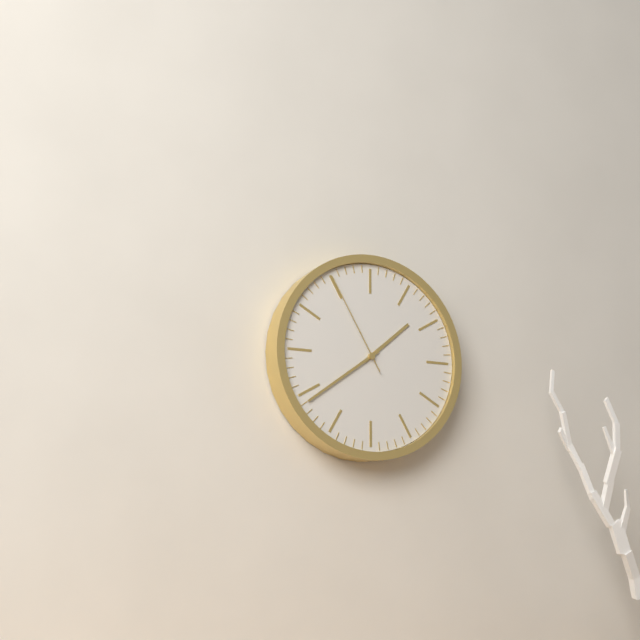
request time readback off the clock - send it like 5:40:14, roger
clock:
1:39:55
